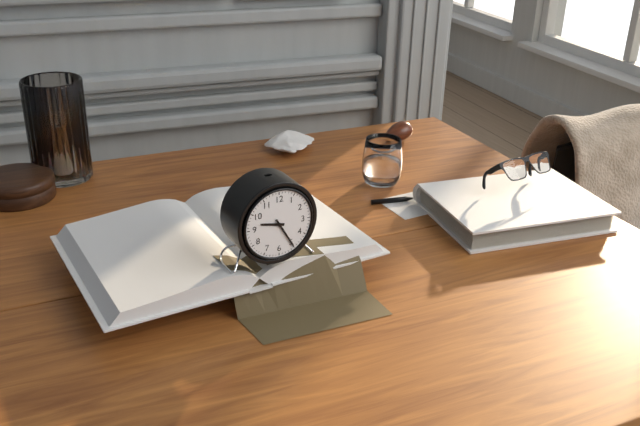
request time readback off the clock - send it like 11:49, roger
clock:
9:25
